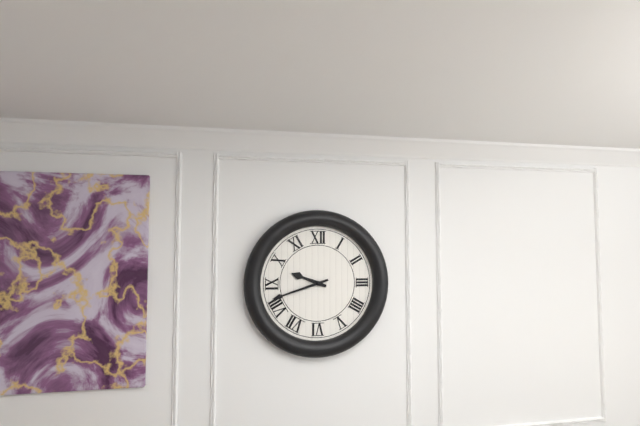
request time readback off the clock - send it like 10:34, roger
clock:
9:42
